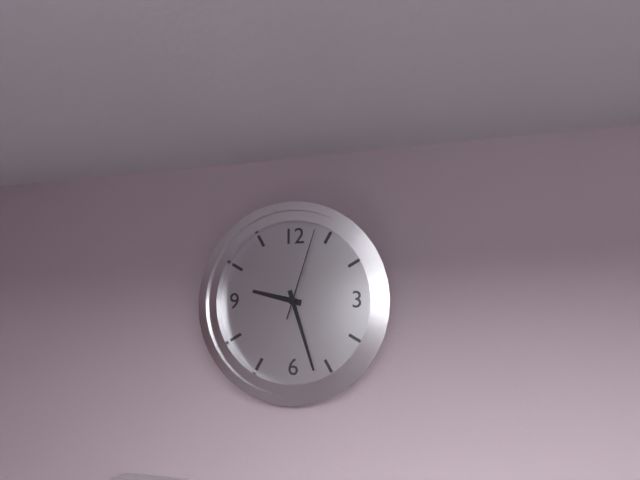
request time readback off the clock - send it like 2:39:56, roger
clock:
9:27:03
